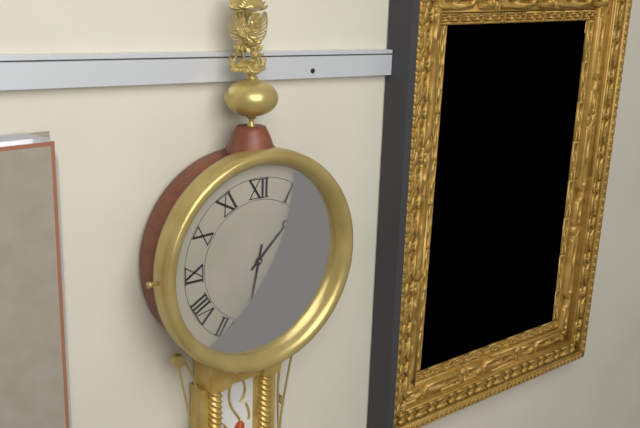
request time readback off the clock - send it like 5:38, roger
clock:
1:32
